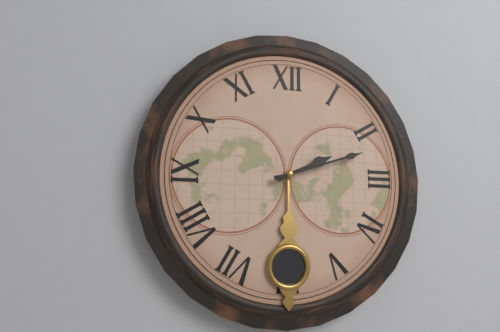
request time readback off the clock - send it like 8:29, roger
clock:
2:12
